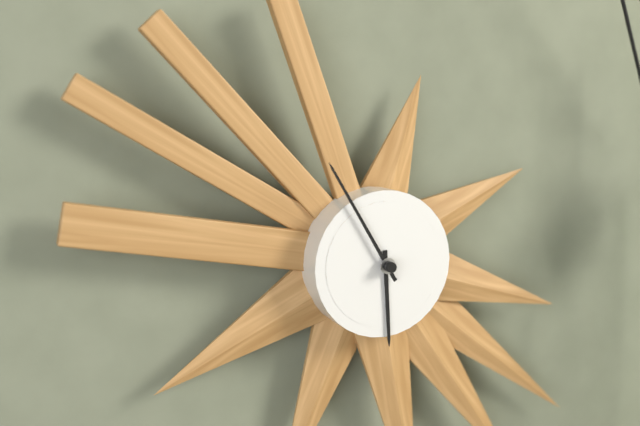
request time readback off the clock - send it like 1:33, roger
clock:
5:55
